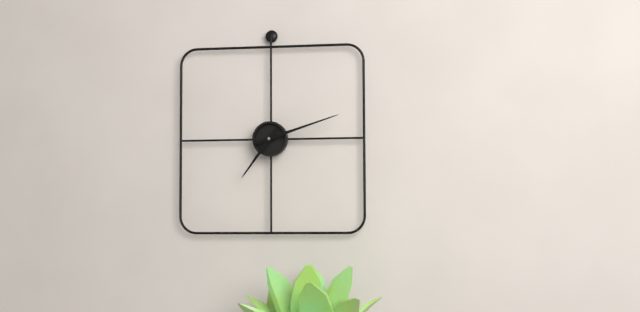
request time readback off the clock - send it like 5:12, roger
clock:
7:12
